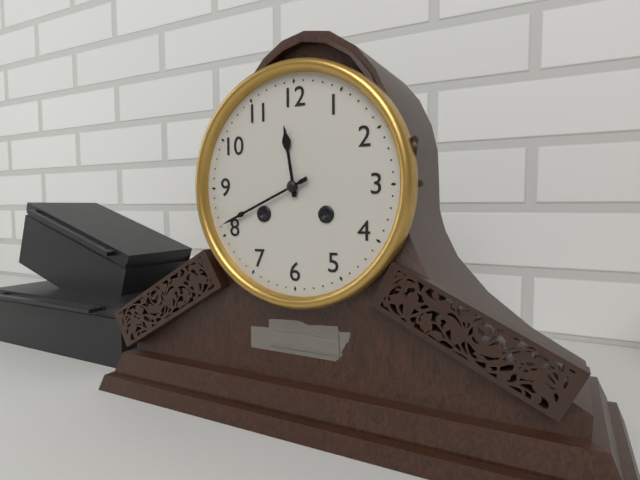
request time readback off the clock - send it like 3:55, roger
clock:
11:41
